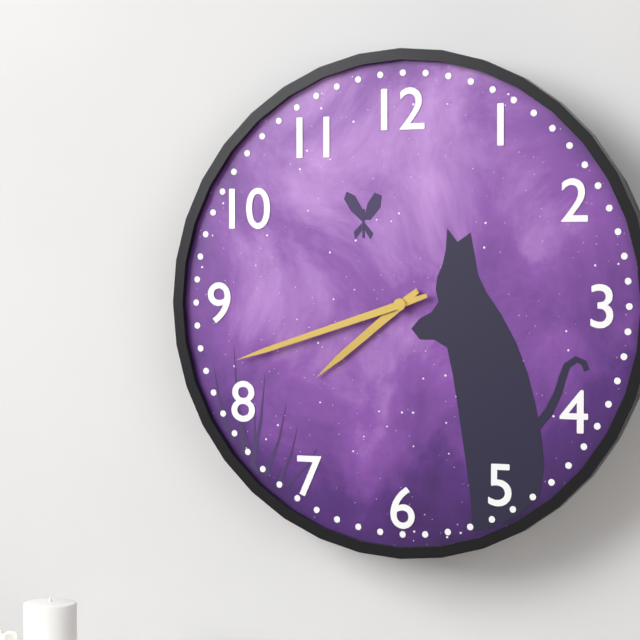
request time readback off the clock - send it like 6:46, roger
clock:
7:42
